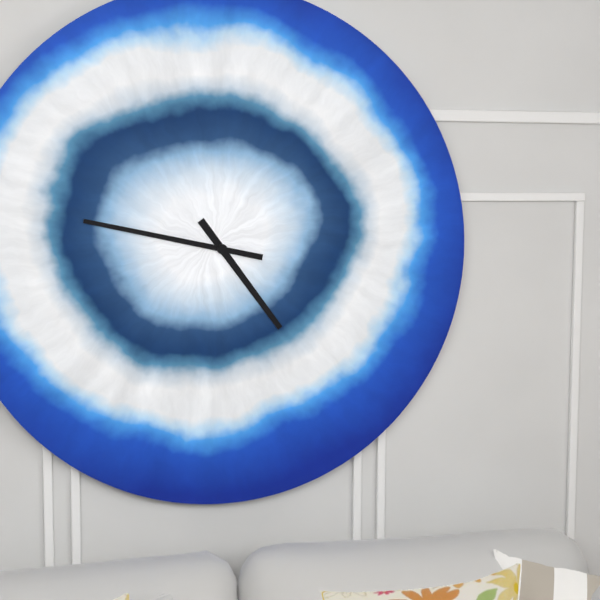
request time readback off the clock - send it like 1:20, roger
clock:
4:47
